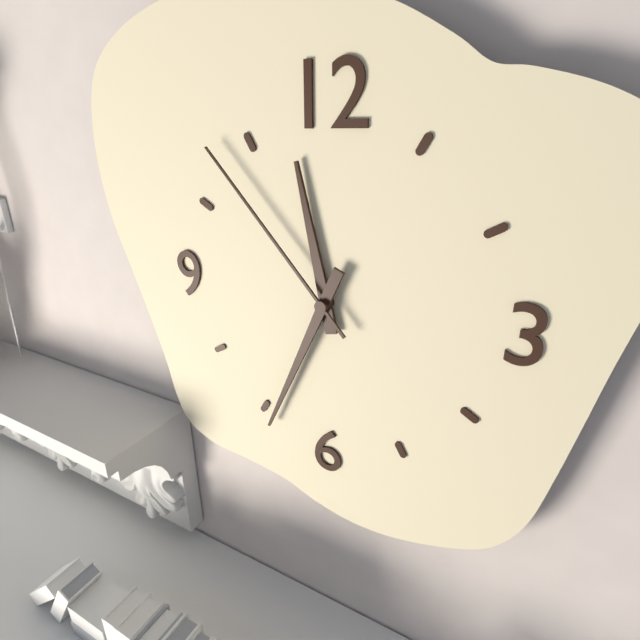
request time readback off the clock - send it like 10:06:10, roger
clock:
11:34:53
